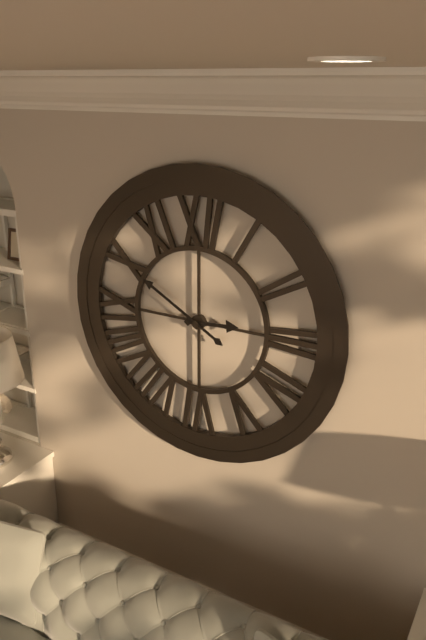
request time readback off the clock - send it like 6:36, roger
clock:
2:50
